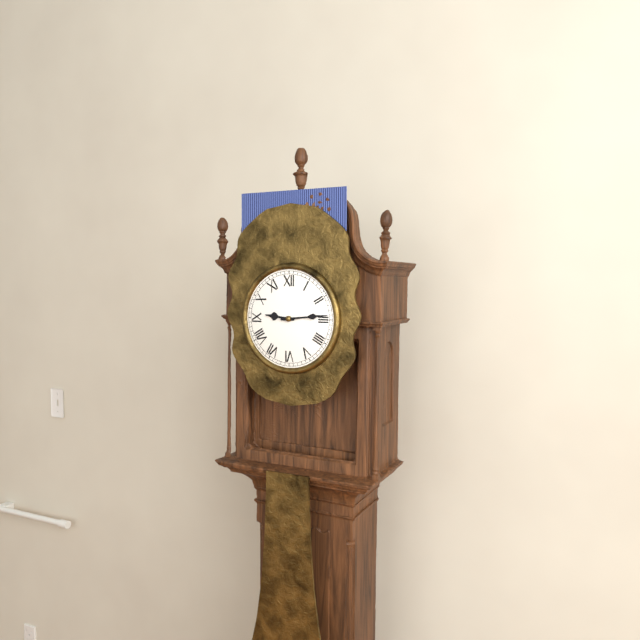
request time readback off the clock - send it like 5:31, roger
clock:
9:14
